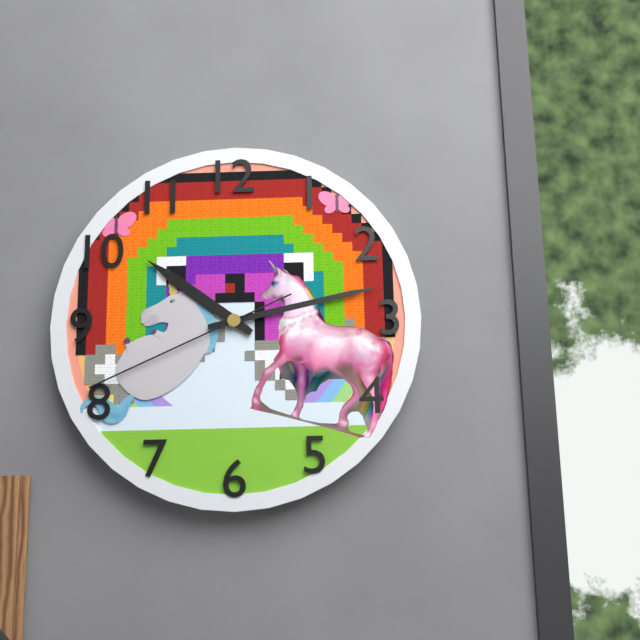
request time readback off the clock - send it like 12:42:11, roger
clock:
10:13:41
